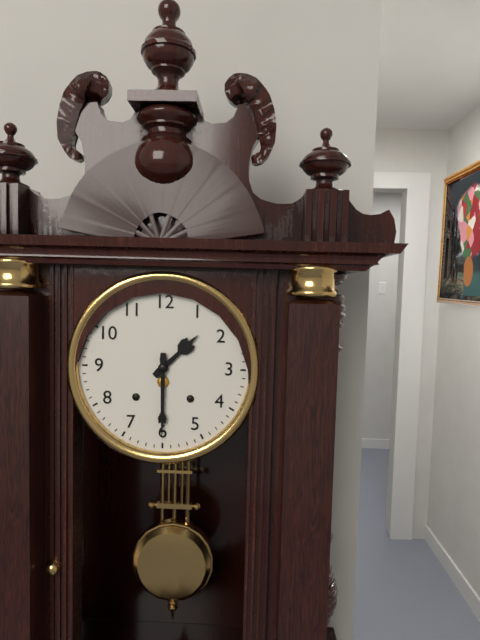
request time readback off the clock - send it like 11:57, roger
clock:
1:30
